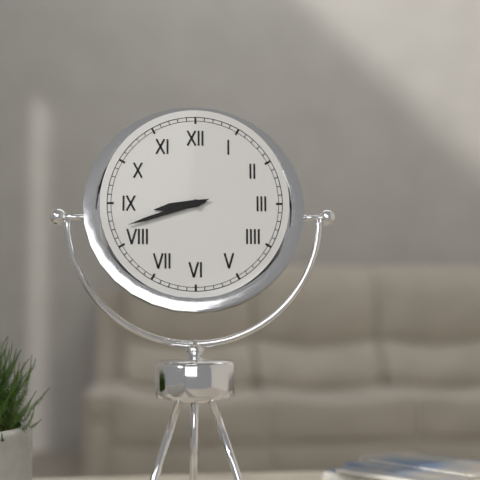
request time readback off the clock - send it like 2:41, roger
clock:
8:42
